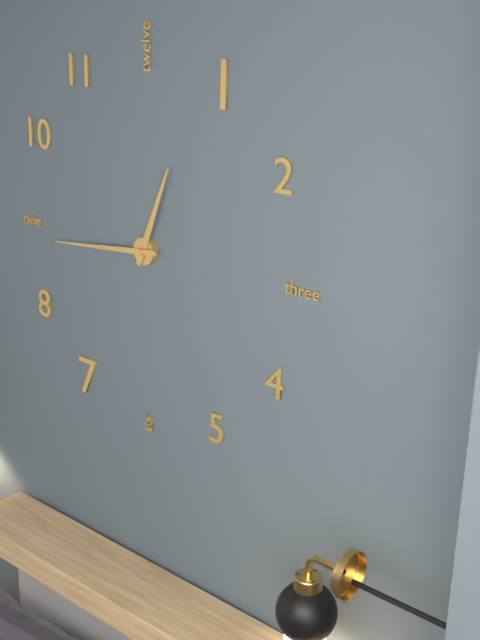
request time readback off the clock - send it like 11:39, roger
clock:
12:44
